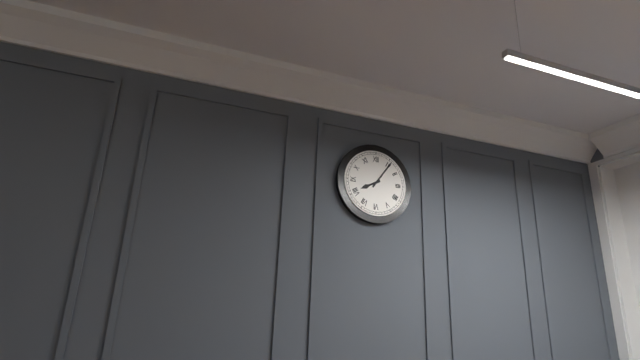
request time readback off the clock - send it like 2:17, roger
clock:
8:06
